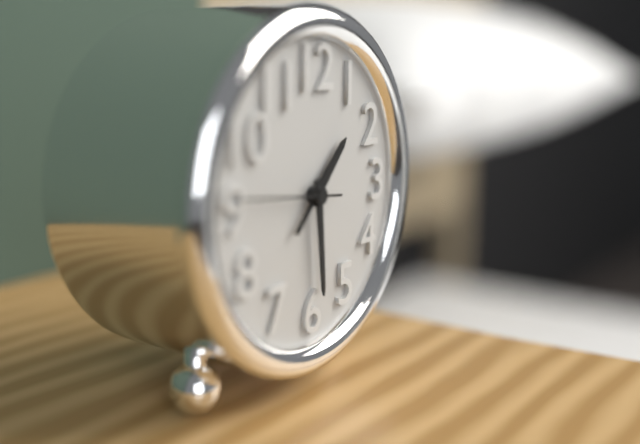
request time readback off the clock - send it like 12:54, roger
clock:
1:29
